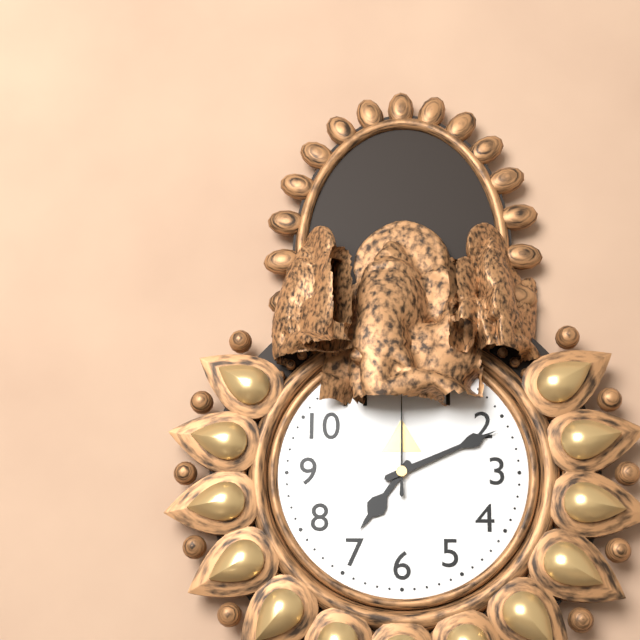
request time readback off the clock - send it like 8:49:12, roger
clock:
7:11:00
